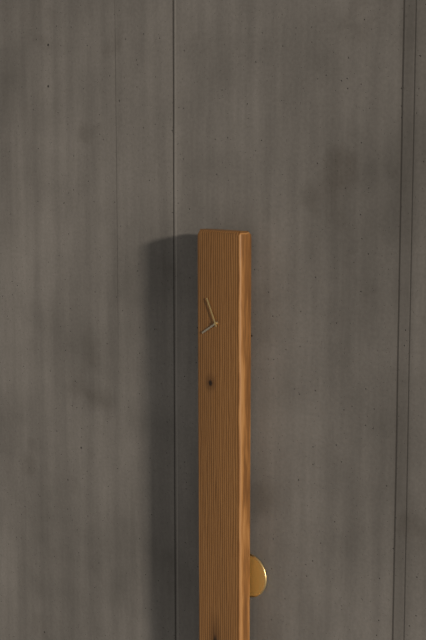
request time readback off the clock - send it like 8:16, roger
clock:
7:56
